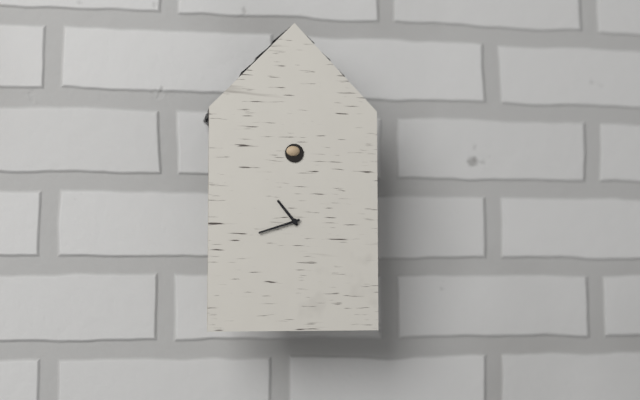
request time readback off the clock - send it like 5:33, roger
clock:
10:42
